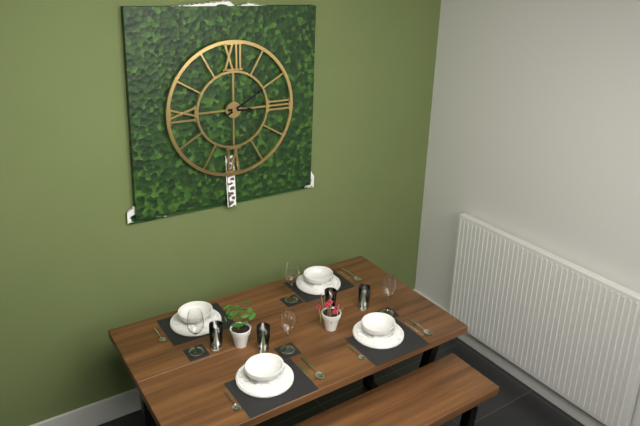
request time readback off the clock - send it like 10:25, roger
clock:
3:10
